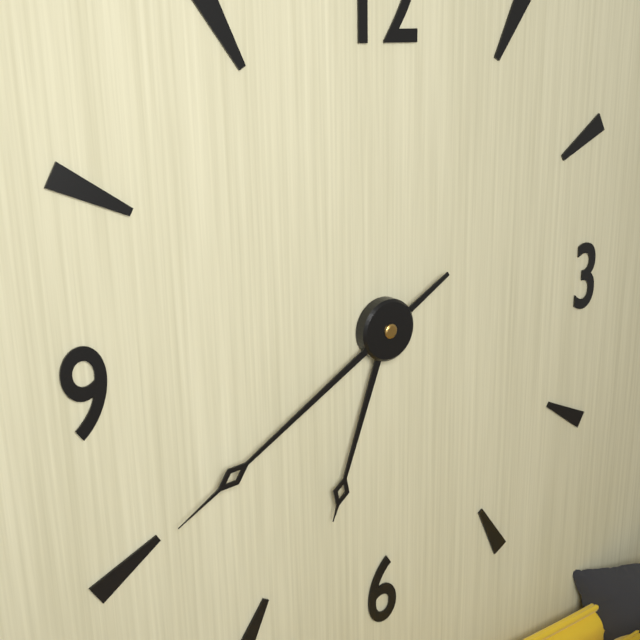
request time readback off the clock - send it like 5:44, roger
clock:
6:40
